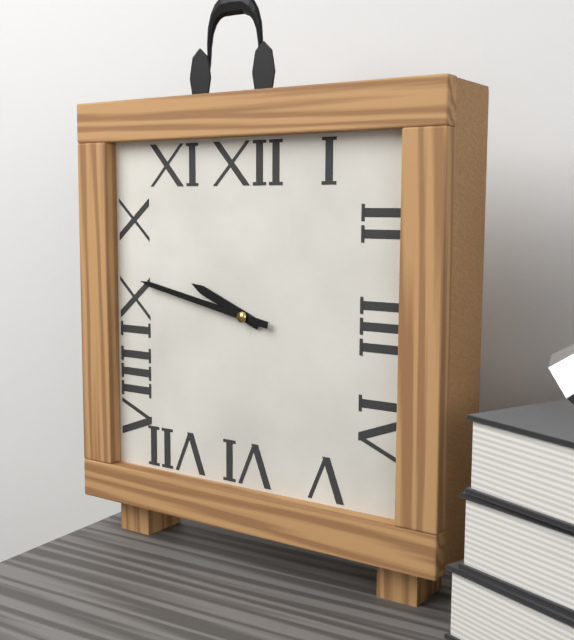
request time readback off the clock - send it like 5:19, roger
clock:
9:47
